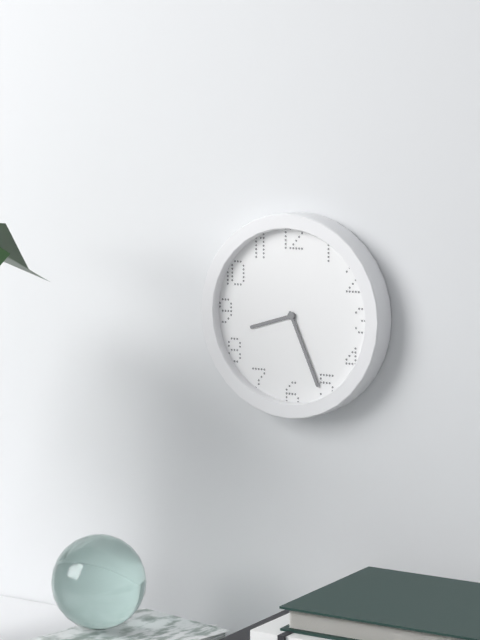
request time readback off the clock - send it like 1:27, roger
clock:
8:26
